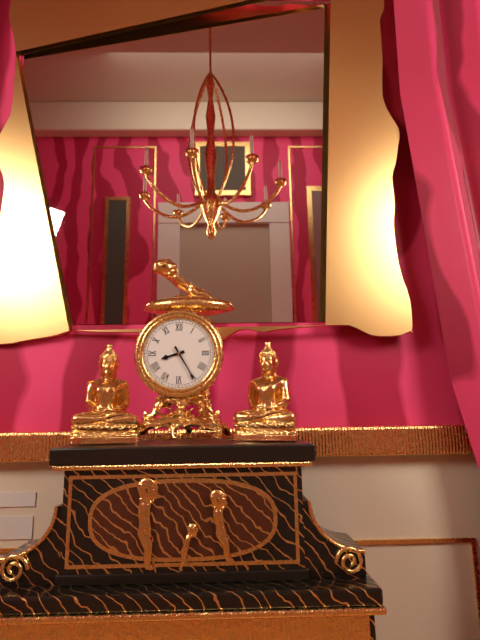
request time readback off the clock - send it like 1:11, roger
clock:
8:25
